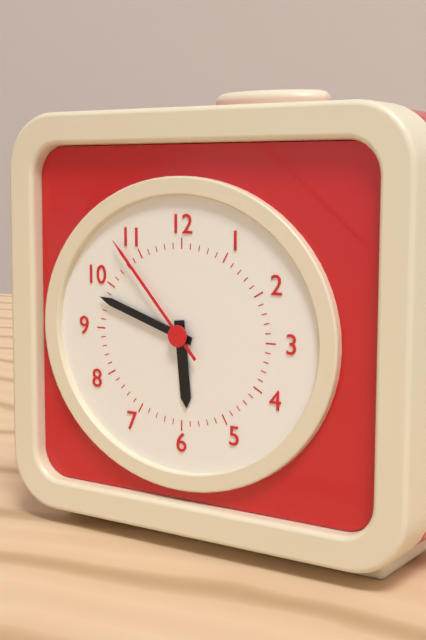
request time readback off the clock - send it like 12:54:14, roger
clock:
5:48:53
